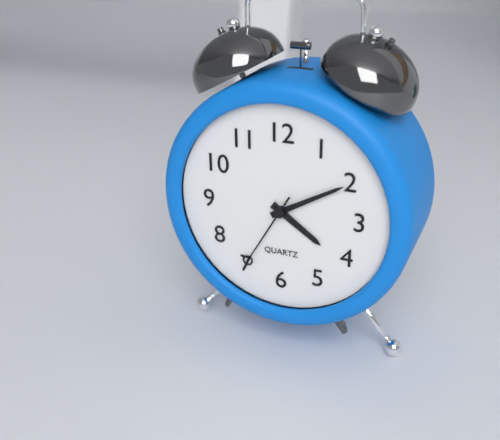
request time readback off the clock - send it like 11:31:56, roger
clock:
4:10:35
